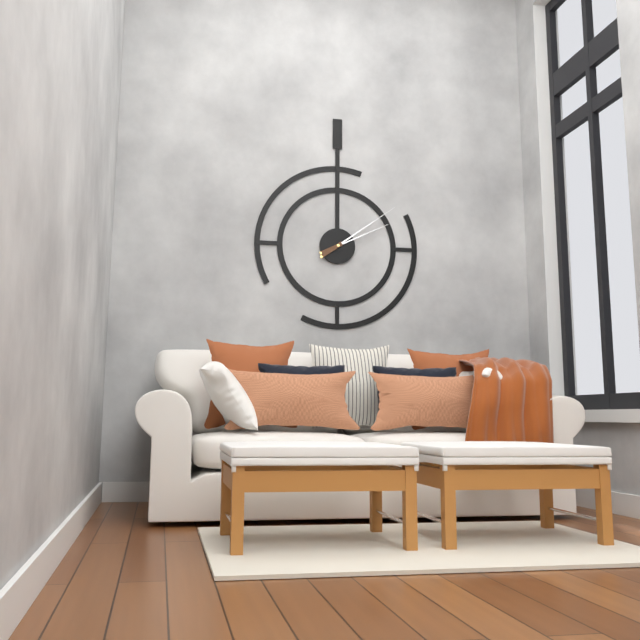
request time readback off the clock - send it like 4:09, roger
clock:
2:09
